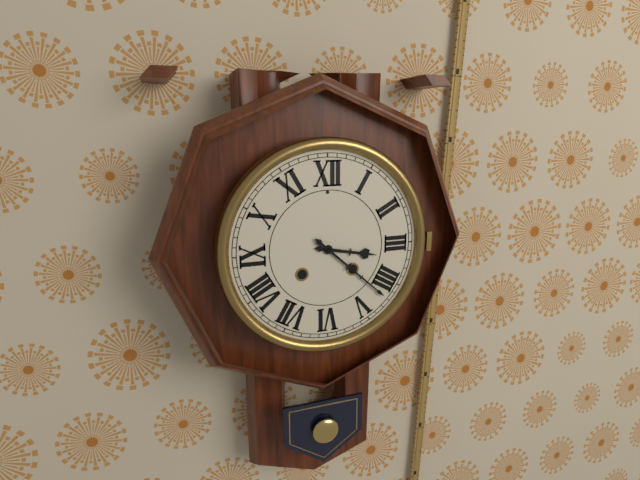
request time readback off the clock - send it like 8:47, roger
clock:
3:22
